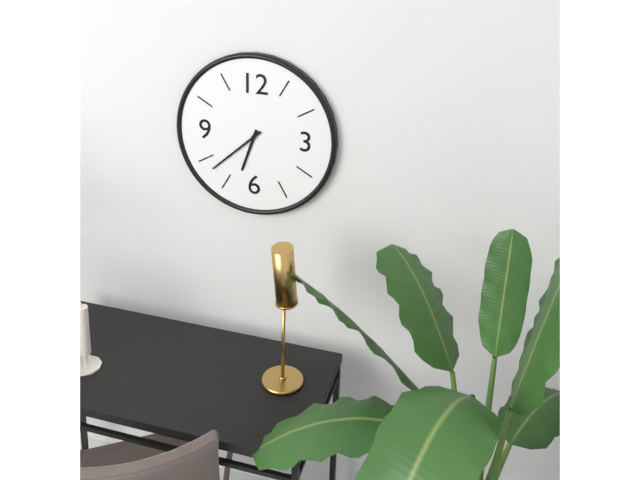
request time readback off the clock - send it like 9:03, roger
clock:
6:38
